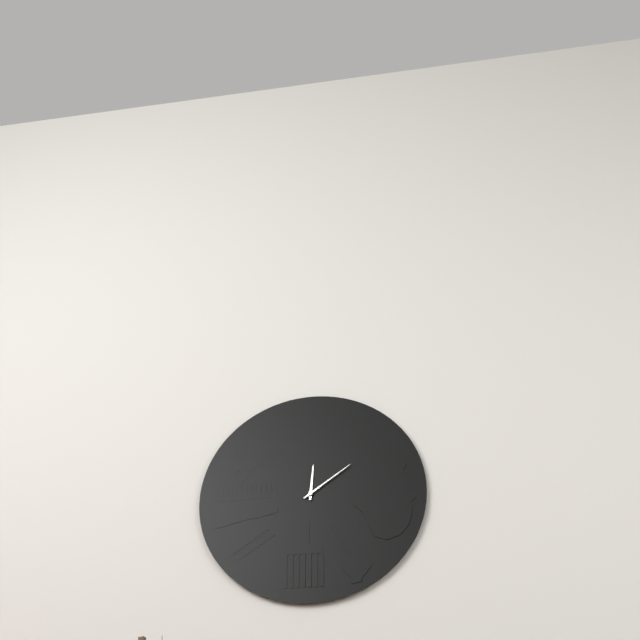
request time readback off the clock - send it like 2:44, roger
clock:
12:09
